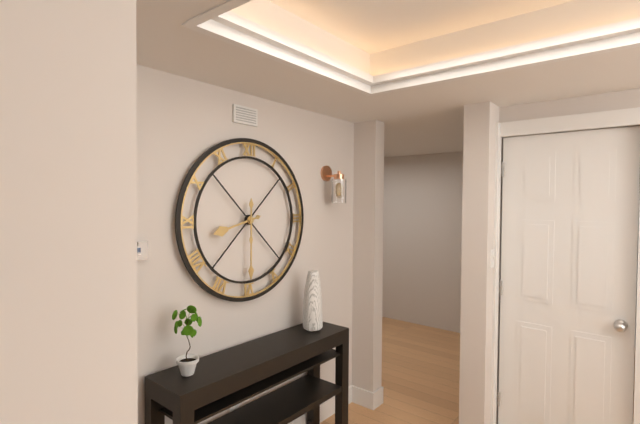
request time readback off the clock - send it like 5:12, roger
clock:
8:30
